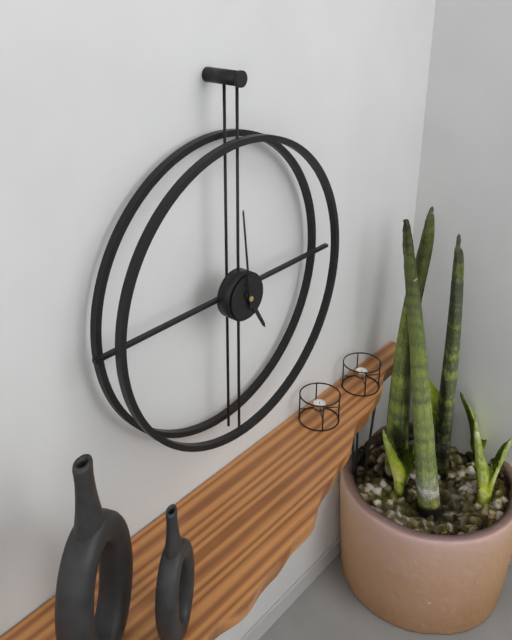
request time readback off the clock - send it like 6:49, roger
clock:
4:59
